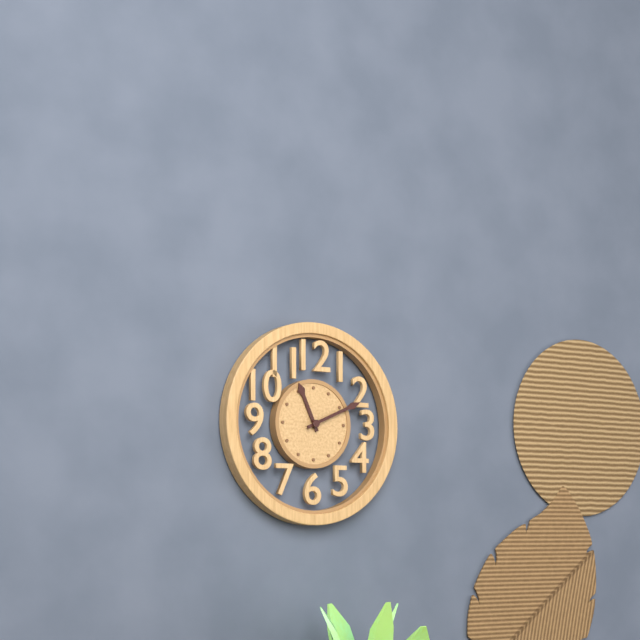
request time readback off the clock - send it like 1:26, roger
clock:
11:11
